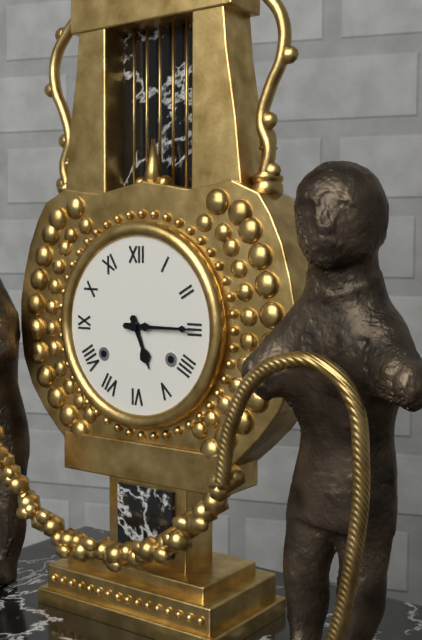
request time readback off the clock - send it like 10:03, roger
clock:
5:15
